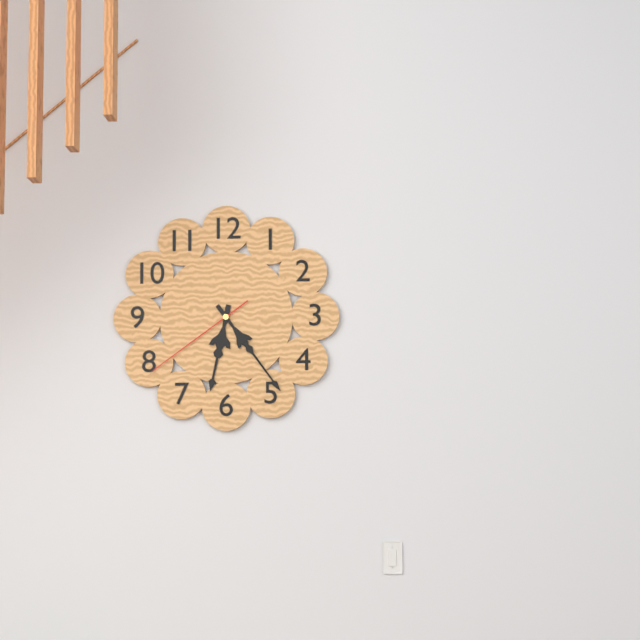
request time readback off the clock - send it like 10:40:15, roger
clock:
6:24:39
